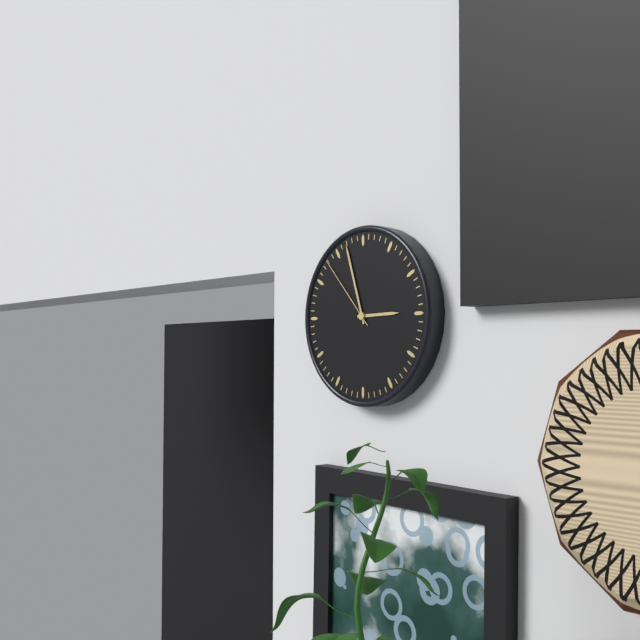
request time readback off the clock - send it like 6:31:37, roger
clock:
2:57:53
